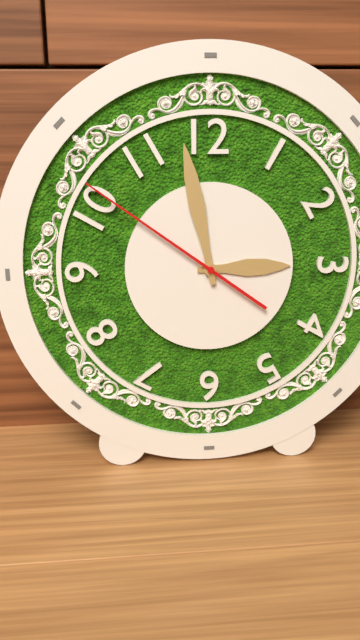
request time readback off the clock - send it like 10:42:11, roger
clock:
2:58:51
